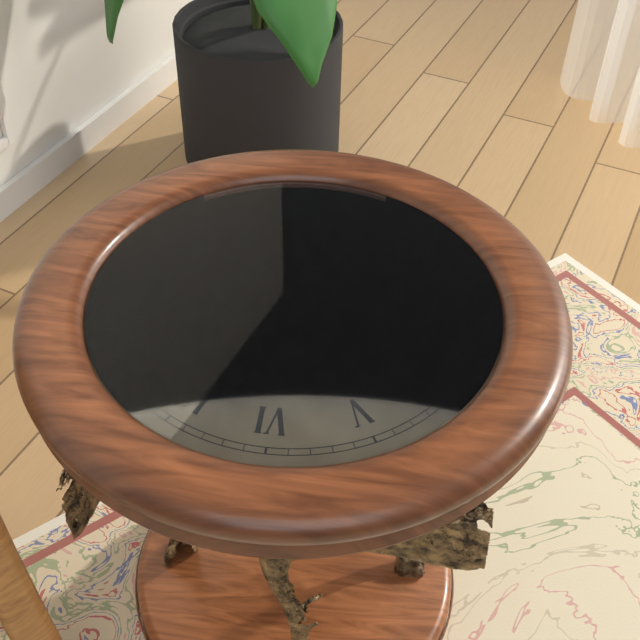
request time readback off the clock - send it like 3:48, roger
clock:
2:11
